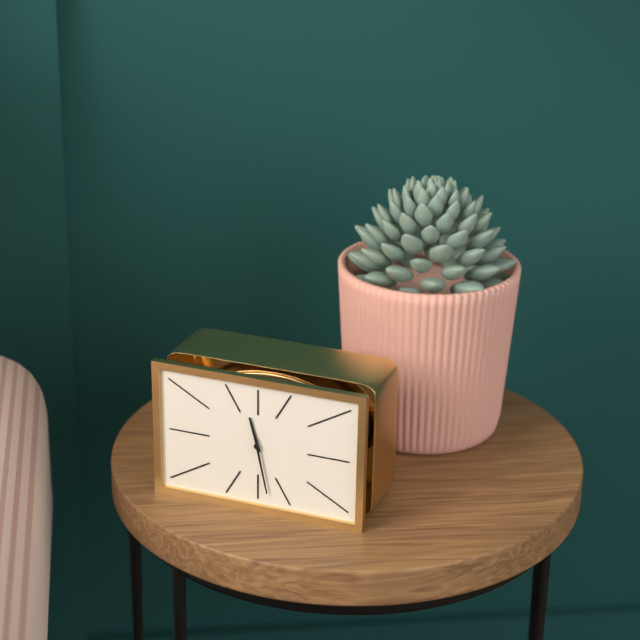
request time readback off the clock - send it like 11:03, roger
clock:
11:28
